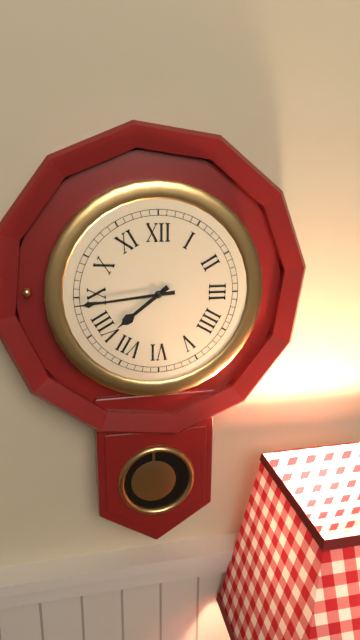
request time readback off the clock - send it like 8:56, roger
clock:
7:44
